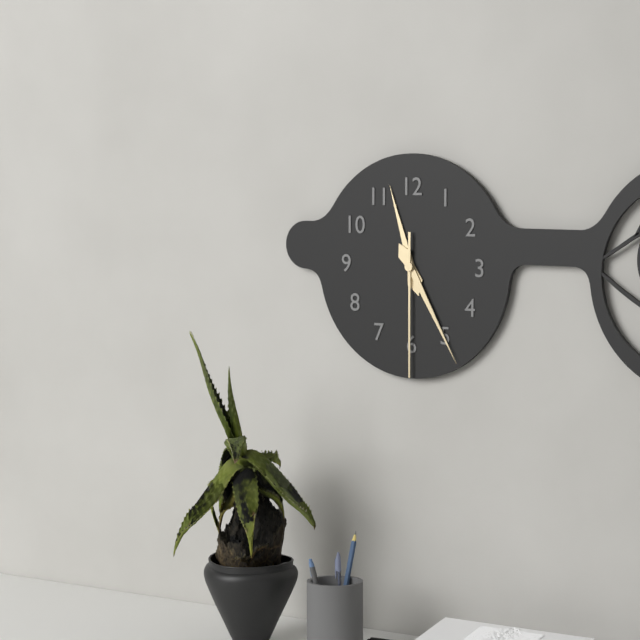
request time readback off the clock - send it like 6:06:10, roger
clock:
11:25:30
